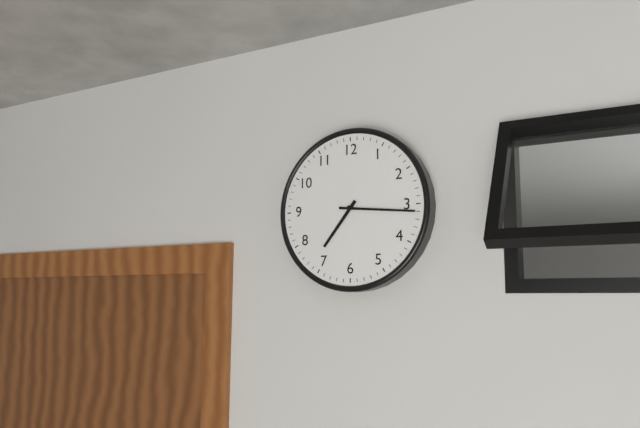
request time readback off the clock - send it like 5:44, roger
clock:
7:16
